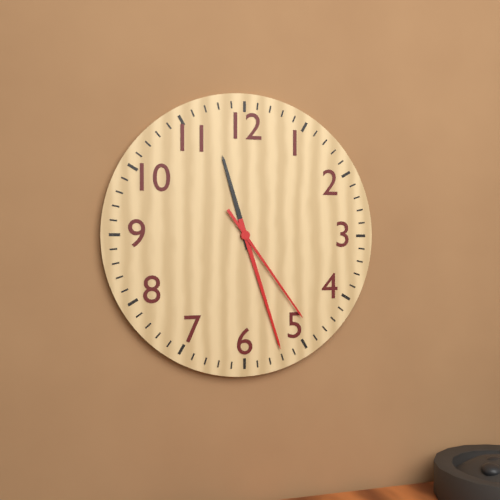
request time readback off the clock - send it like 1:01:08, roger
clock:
11:27:24
